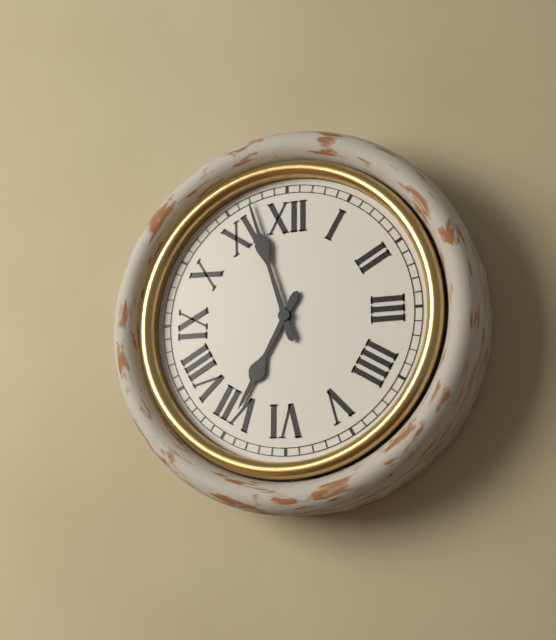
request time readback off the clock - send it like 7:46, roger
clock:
6:57
